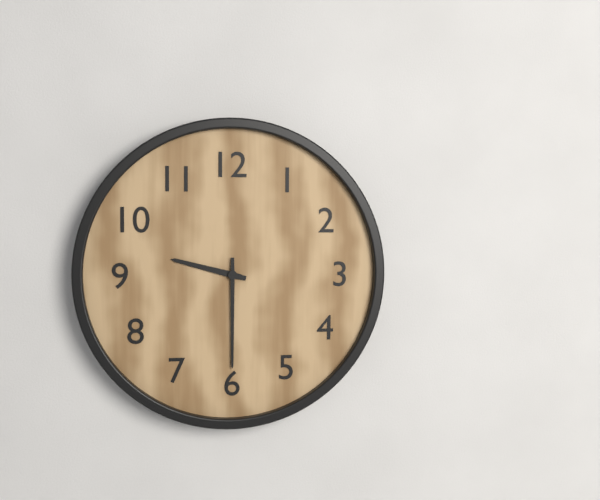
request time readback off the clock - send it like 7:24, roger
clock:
9:30
